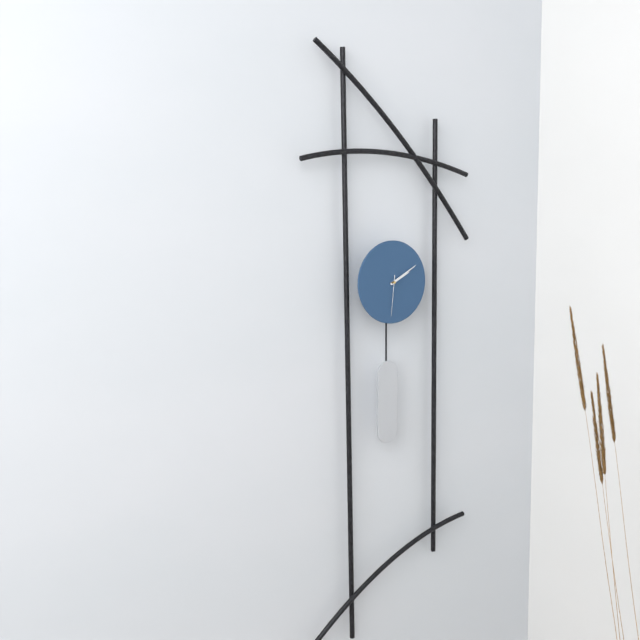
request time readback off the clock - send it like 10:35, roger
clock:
2:10
